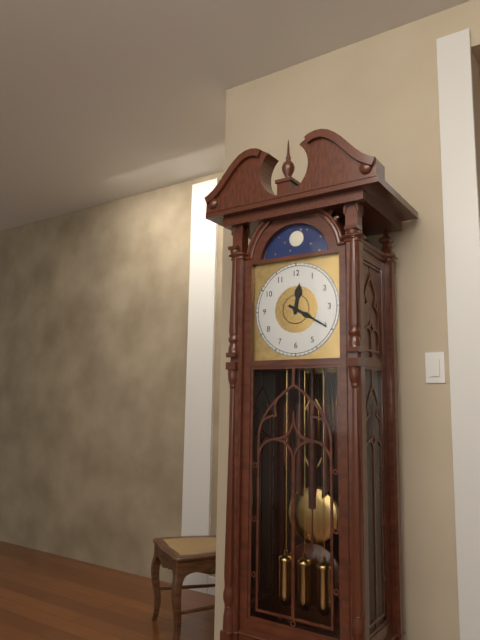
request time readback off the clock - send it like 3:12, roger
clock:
12:20
